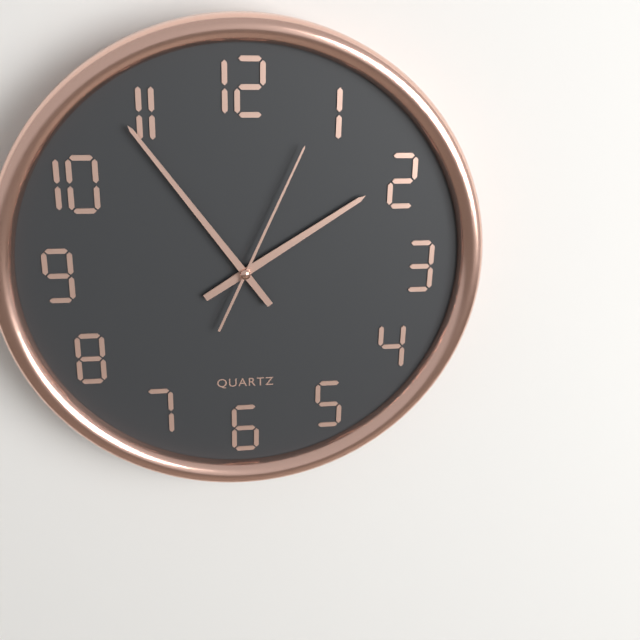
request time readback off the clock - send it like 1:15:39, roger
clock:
1:54:04
